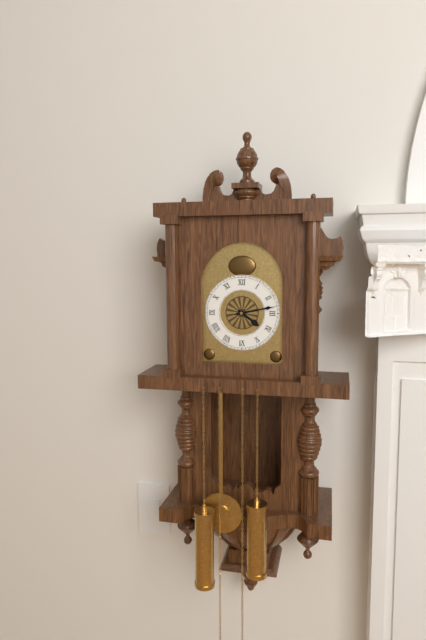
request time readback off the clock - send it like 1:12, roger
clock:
4:13
